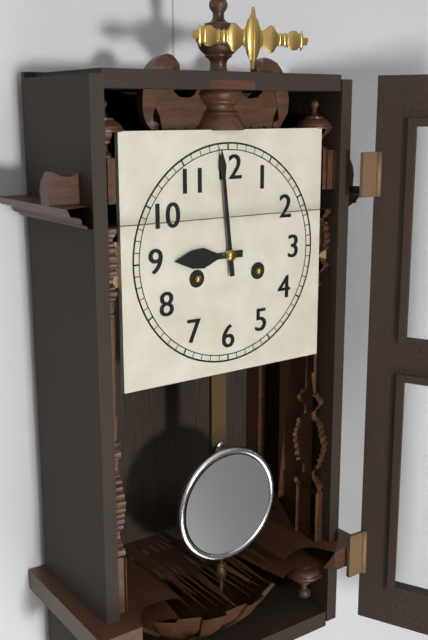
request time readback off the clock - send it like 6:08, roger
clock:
8:59
